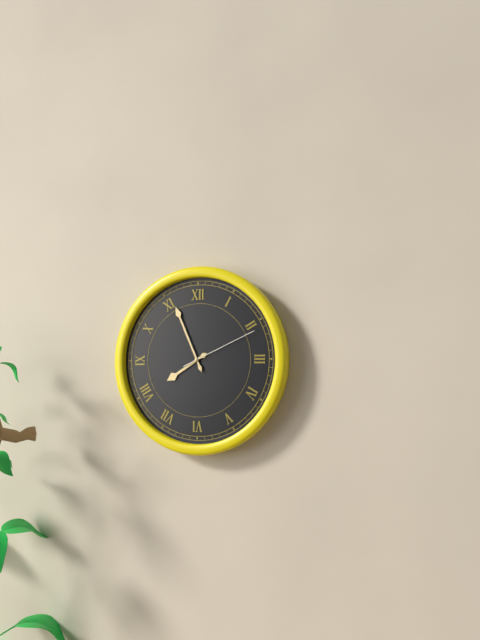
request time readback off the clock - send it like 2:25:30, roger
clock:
7:56:11
